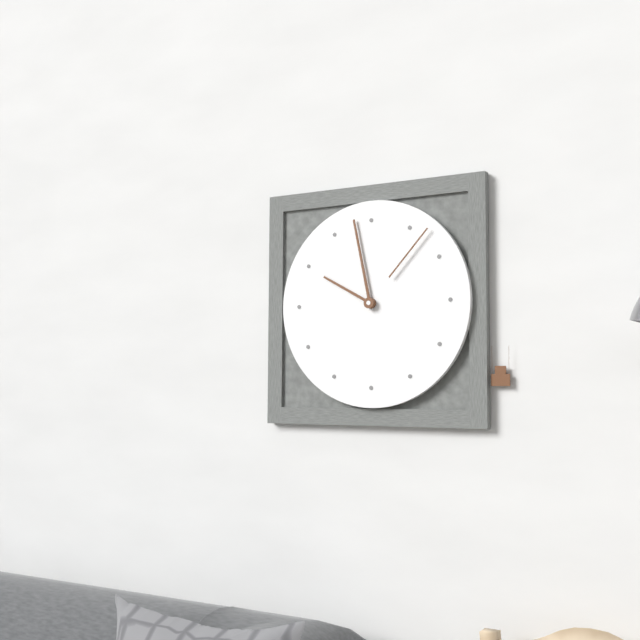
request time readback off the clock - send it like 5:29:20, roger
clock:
9:58:07
